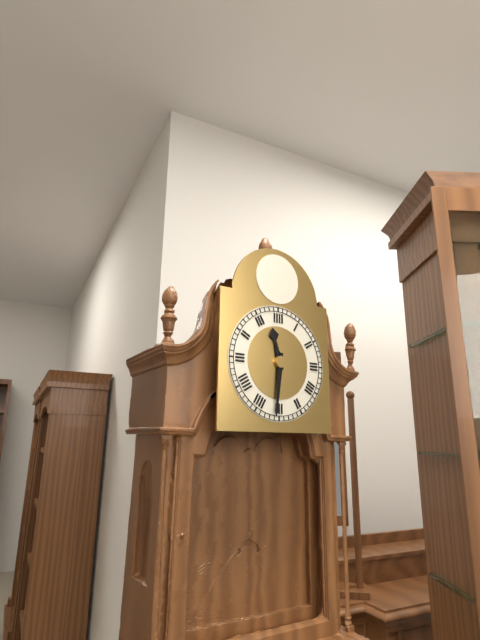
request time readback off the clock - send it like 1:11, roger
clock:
11:31
